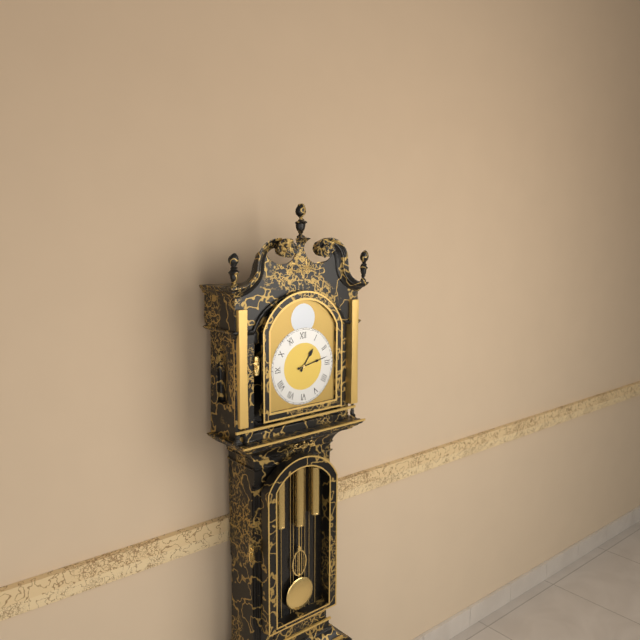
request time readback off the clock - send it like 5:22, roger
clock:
1:13
